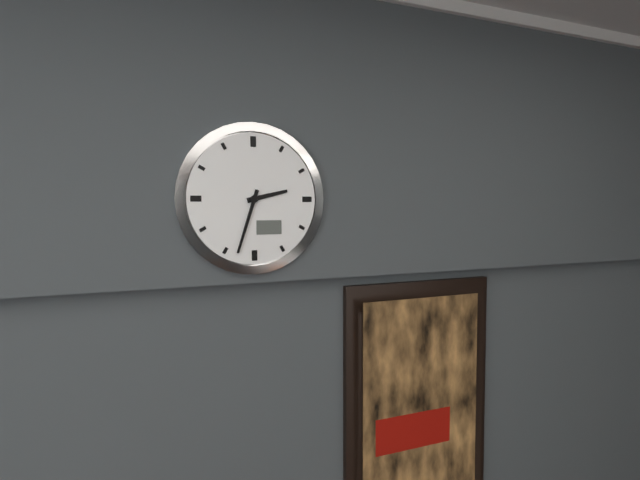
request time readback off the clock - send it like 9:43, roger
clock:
2:33
